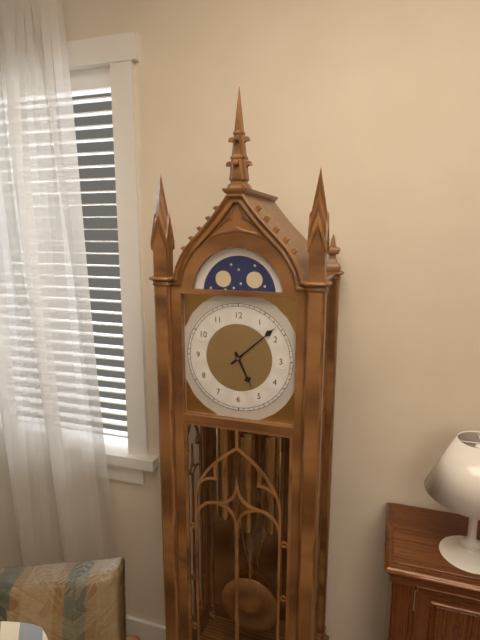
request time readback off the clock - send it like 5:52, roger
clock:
5:08
